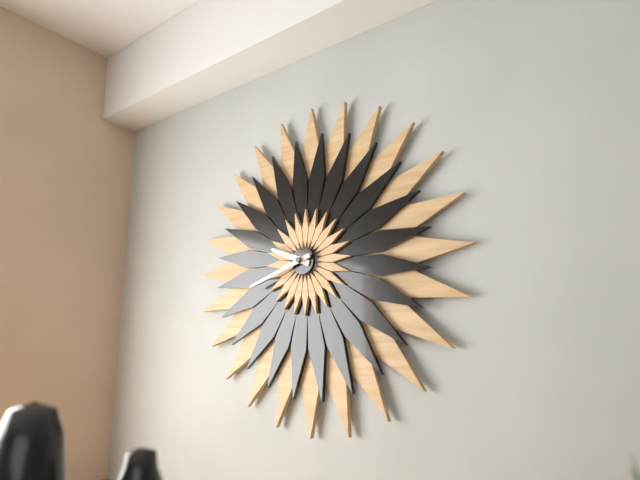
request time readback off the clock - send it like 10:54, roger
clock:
9:42
